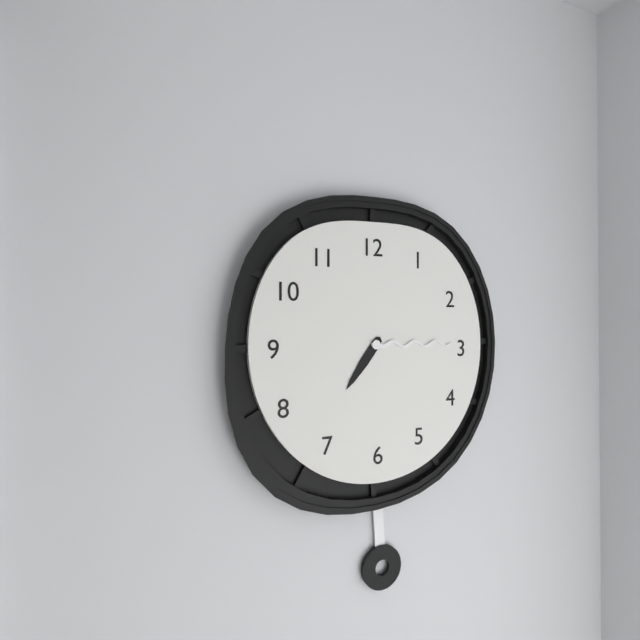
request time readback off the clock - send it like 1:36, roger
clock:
7:15
